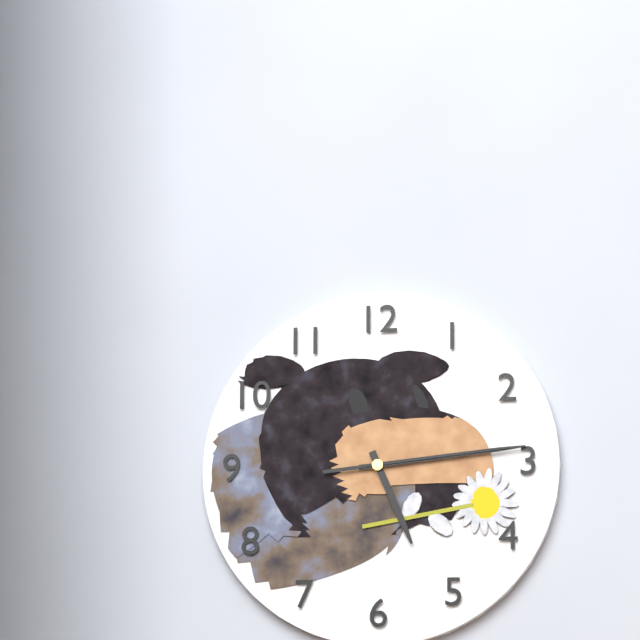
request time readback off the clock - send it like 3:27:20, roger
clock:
5:14:14
